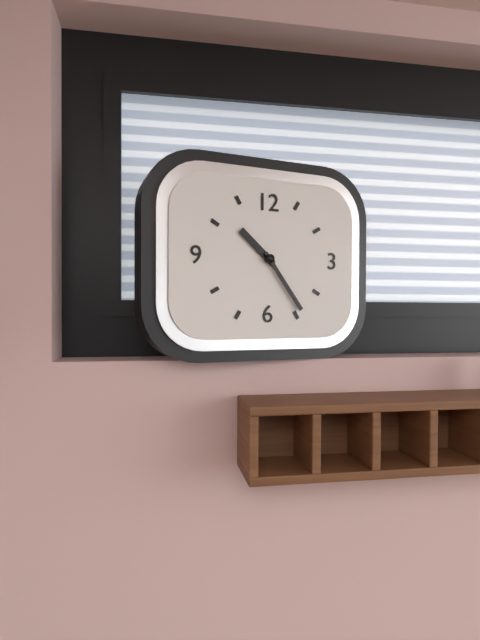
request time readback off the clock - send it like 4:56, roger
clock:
10:24
